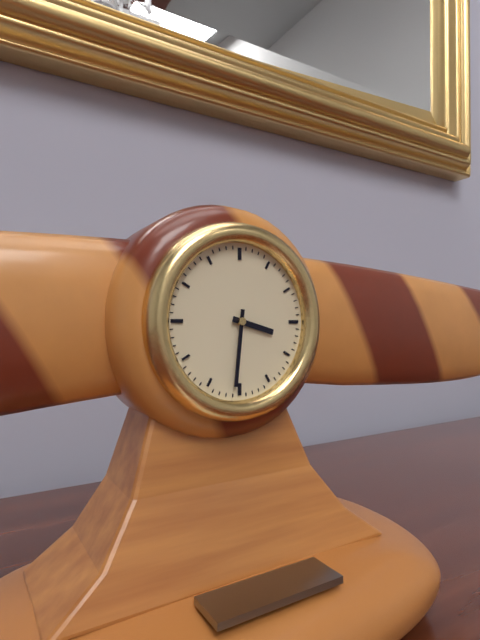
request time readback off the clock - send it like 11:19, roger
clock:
3:31
